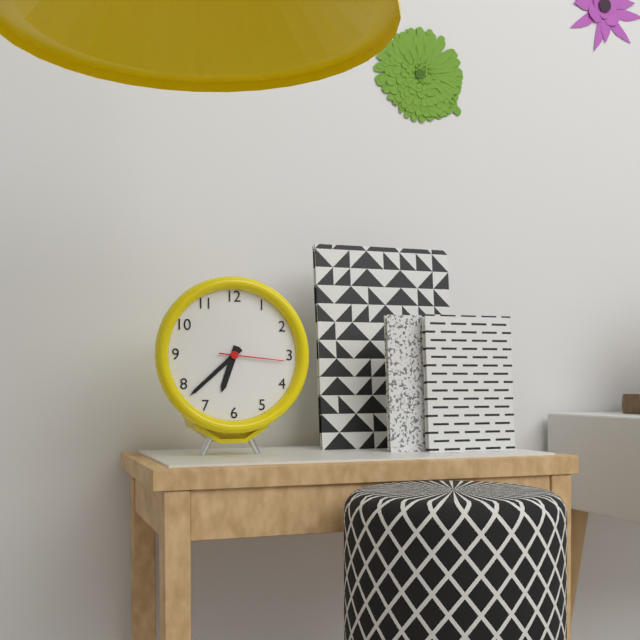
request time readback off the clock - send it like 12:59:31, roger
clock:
6:38:16
